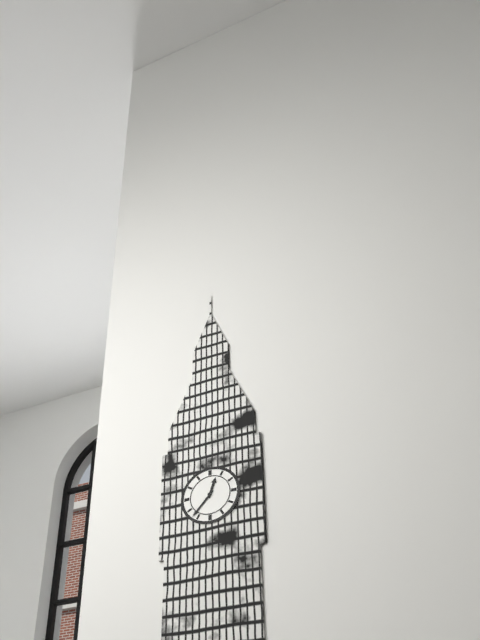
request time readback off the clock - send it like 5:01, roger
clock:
12:37
